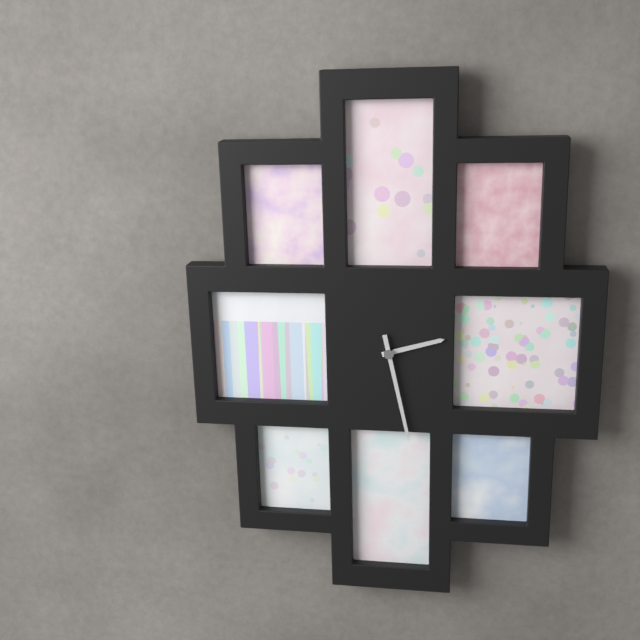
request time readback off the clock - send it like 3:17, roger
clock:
2:28
